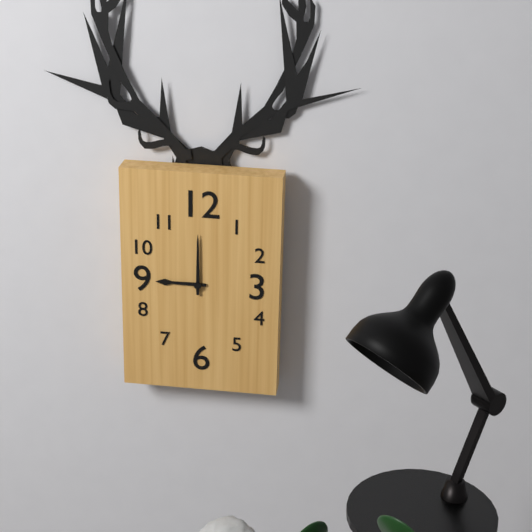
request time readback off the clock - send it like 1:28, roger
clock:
9:00
